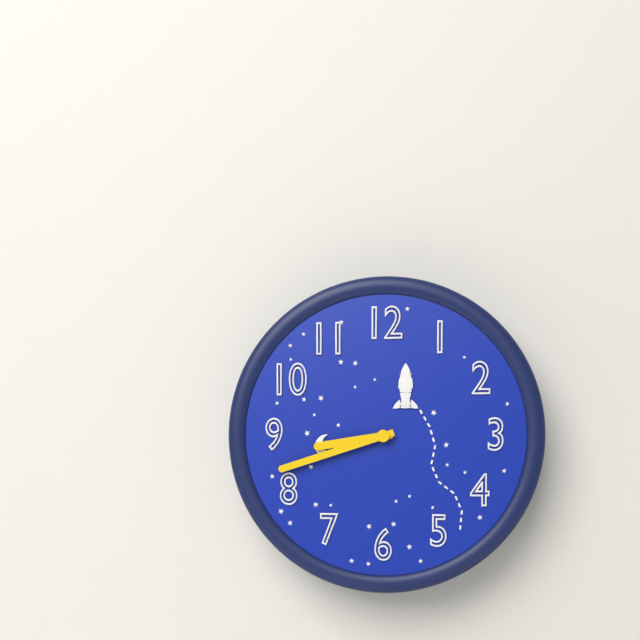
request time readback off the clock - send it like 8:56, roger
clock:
8:42
